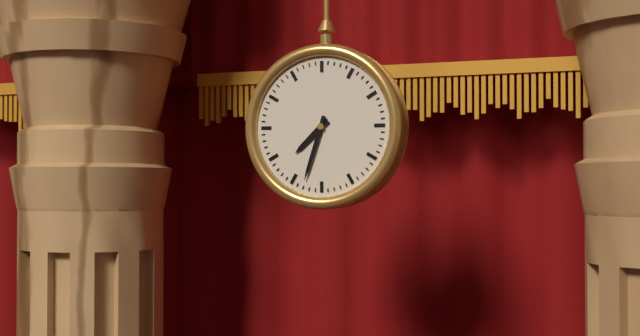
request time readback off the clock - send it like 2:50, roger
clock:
7:33
